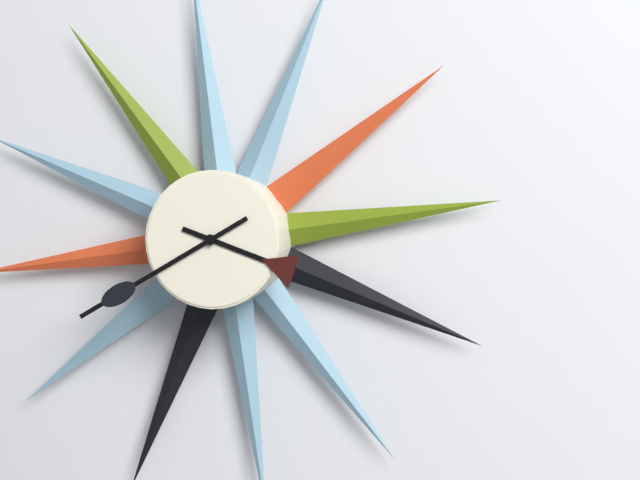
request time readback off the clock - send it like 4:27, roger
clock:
3:40
